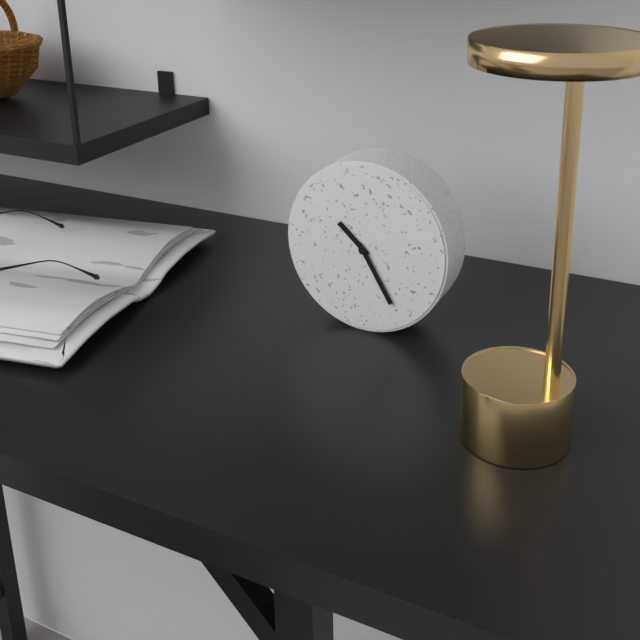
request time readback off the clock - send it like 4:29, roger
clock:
10:25
